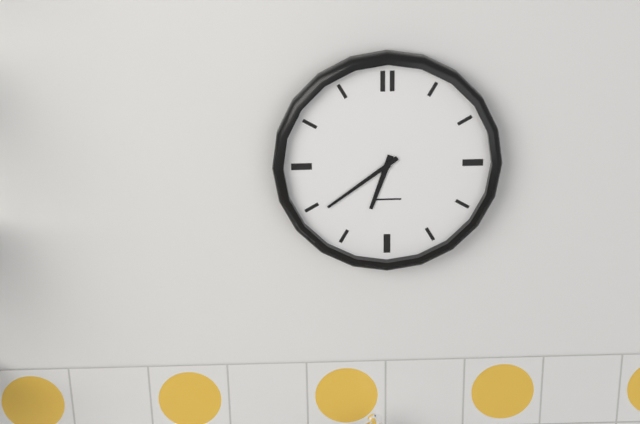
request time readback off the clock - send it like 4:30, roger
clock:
6:39
